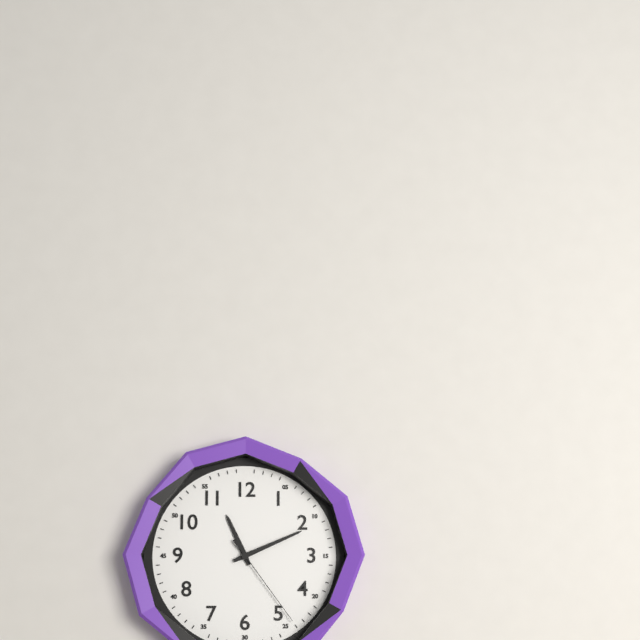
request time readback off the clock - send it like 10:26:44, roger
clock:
11:11:24
